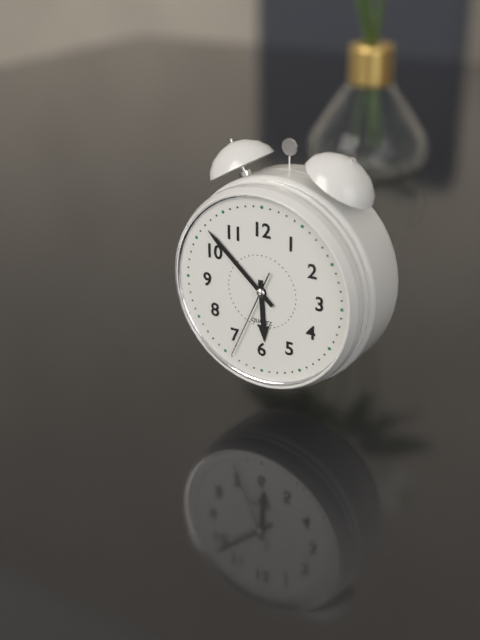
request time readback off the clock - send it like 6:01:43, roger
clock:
5:52:34
